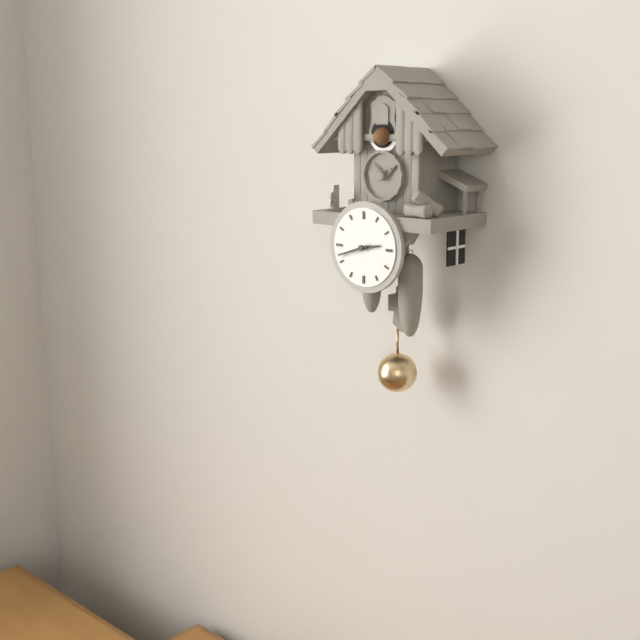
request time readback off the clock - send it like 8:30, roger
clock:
2:42
